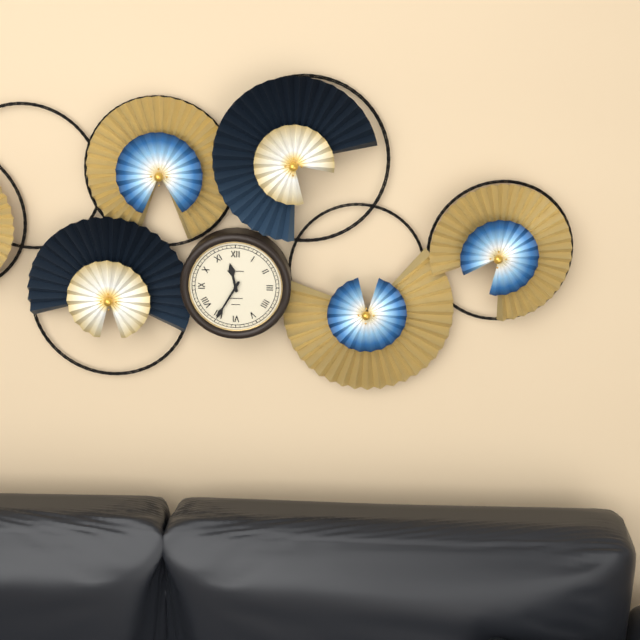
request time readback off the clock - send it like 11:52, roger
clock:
11:35
